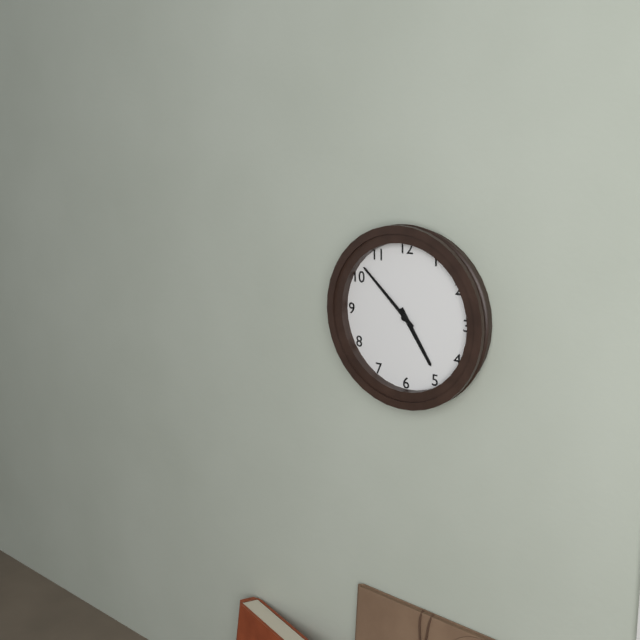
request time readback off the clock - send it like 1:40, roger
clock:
4:52
